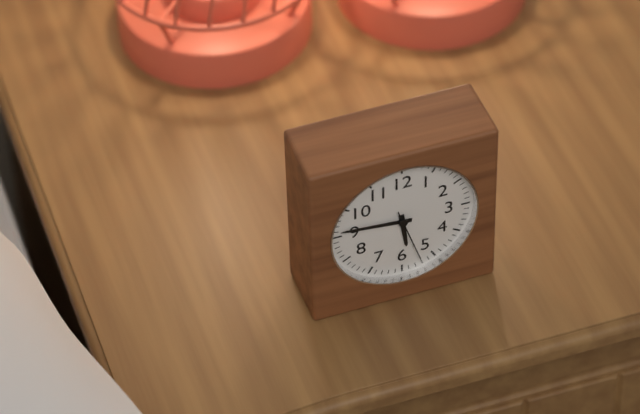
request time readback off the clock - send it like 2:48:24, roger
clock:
5:46:27
